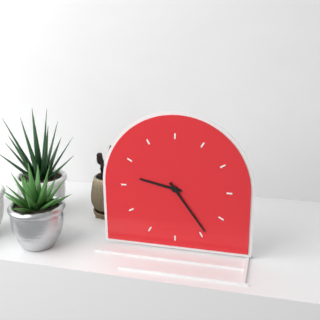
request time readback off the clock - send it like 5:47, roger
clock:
9:24
